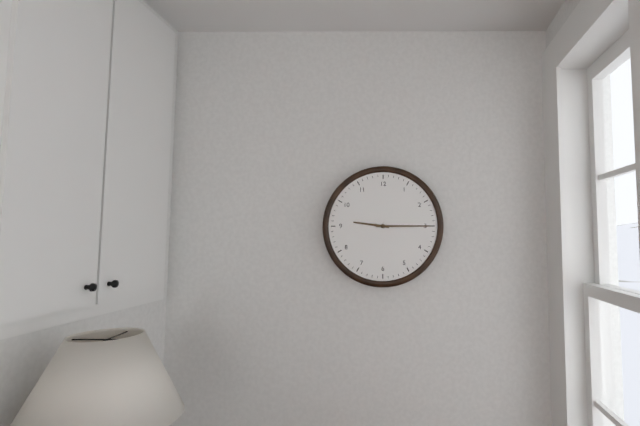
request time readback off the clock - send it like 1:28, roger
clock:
9:15
